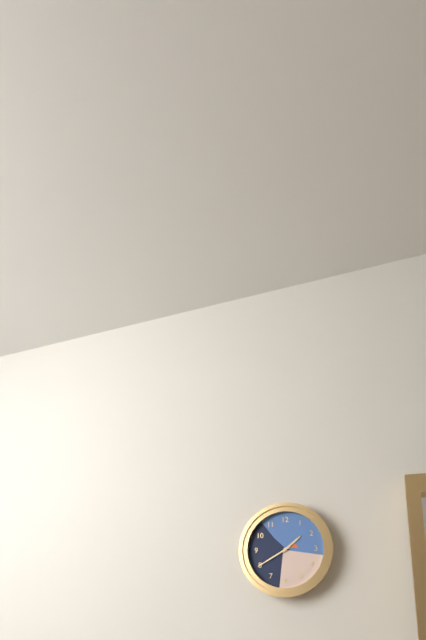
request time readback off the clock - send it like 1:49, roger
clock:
1:40
